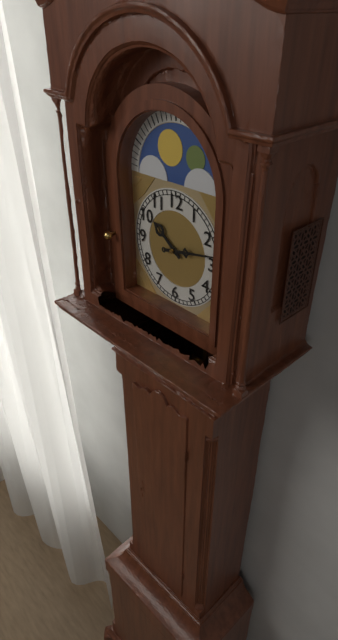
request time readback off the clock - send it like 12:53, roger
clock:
10:13
